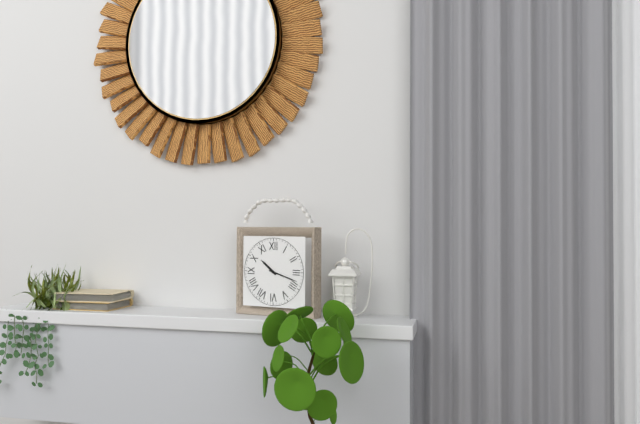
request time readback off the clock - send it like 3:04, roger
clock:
10:18
